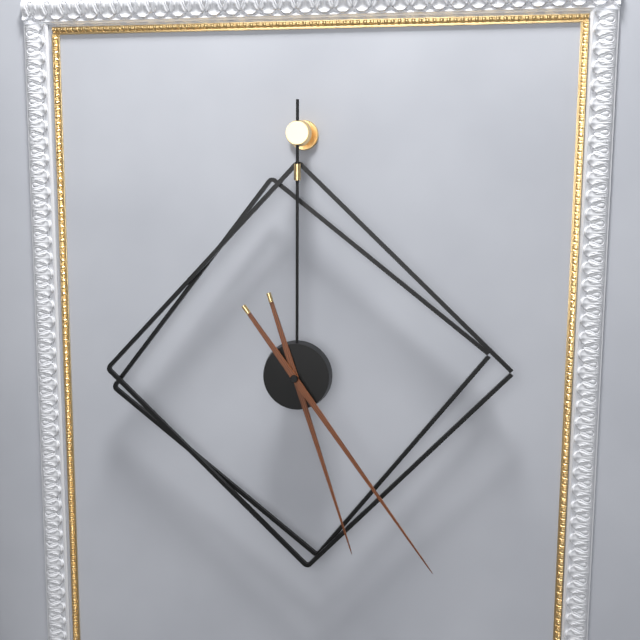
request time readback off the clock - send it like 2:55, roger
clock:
5:24
